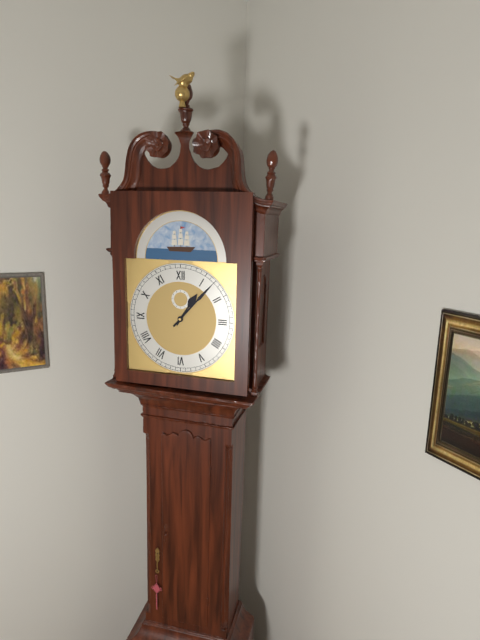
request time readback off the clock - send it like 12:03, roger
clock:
1:07
